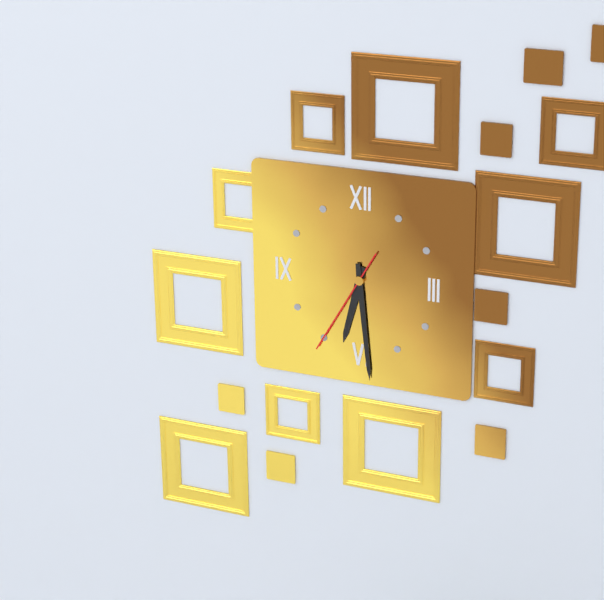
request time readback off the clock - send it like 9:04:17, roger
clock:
6:29:35
